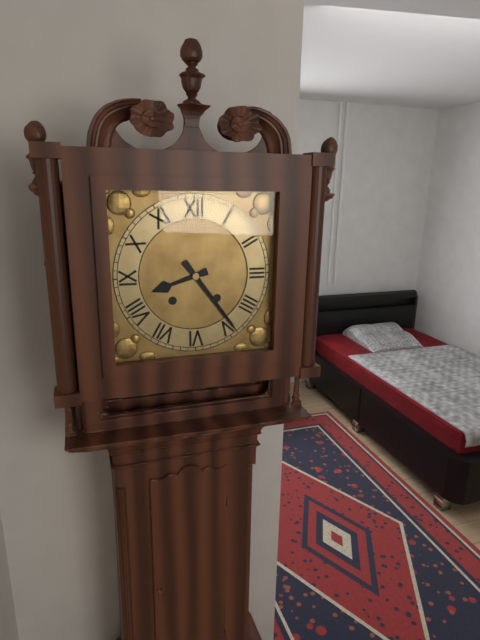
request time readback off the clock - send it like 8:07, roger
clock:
8:24
